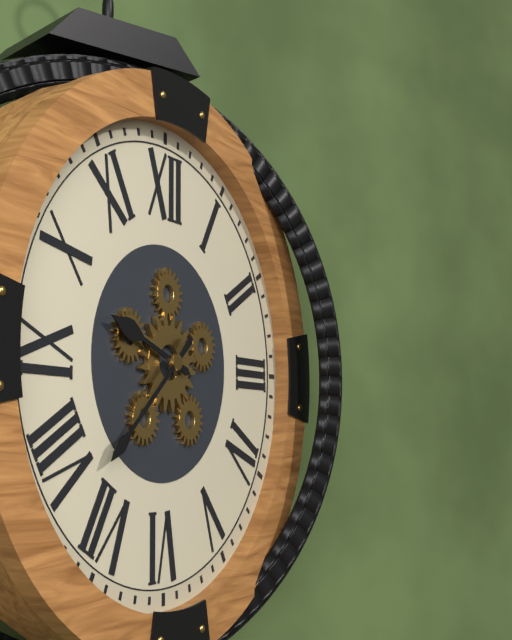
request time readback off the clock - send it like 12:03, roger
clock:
9:38
